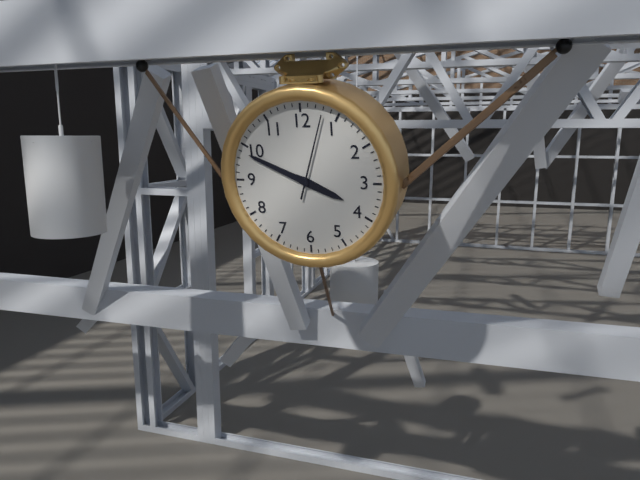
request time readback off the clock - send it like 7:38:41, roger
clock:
3:49:03
